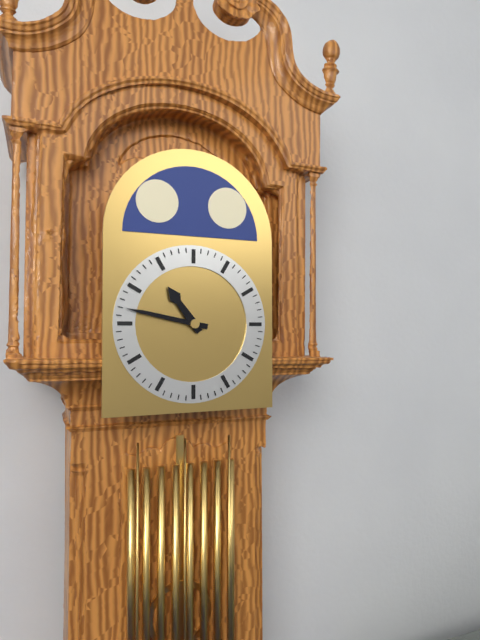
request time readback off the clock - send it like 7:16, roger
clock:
10:47
